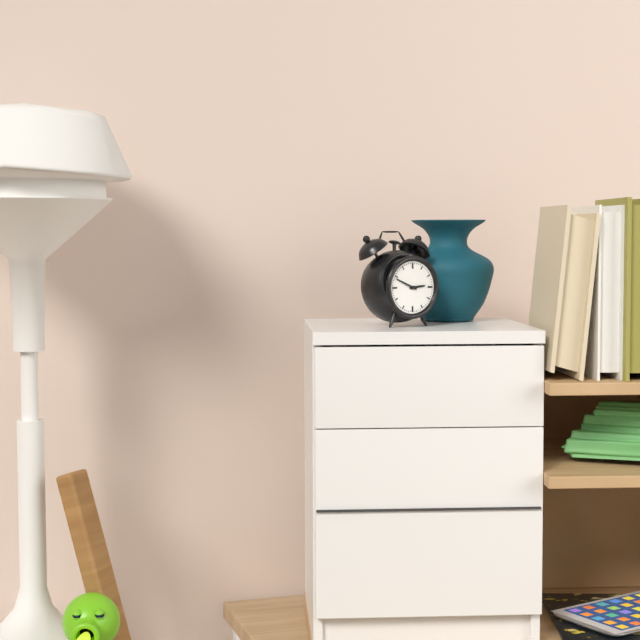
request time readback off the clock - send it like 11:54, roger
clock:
2:49
